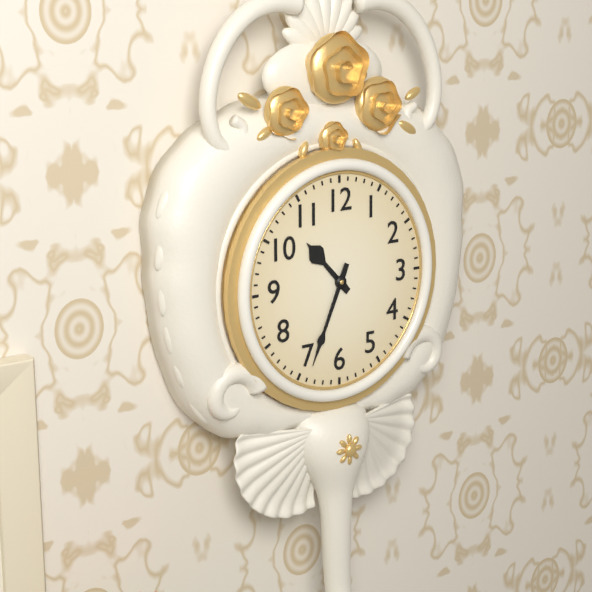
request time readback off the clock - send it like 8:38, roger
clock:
10:34
